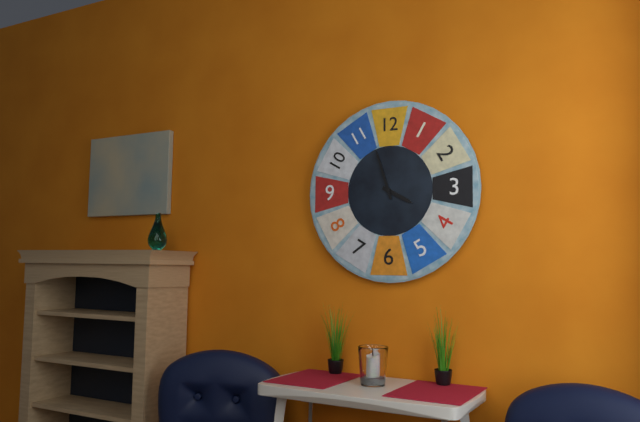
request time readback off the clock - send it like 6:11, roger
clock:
3:57
